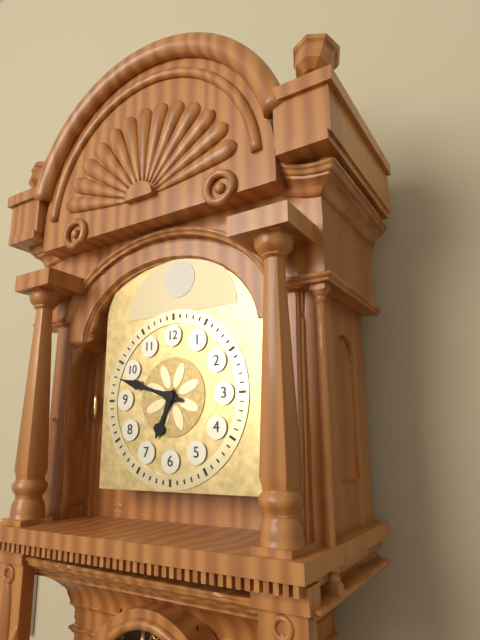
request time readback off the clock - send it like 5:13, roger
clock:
6:48
